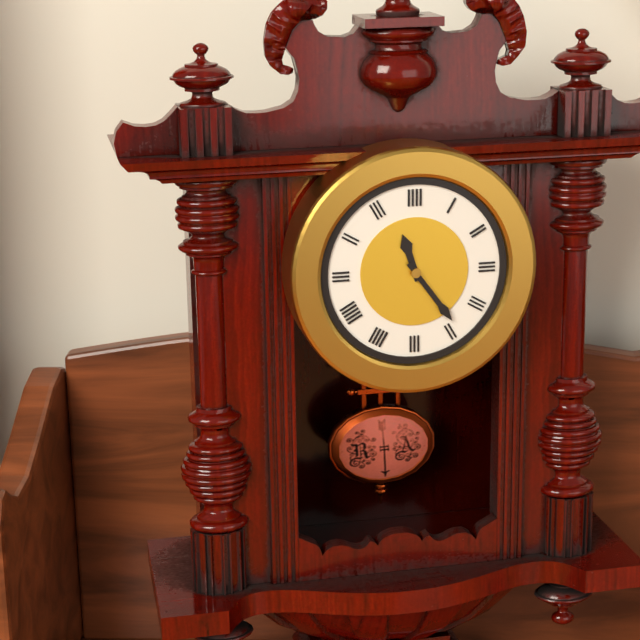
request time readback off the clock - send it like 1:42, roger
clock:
11:24
